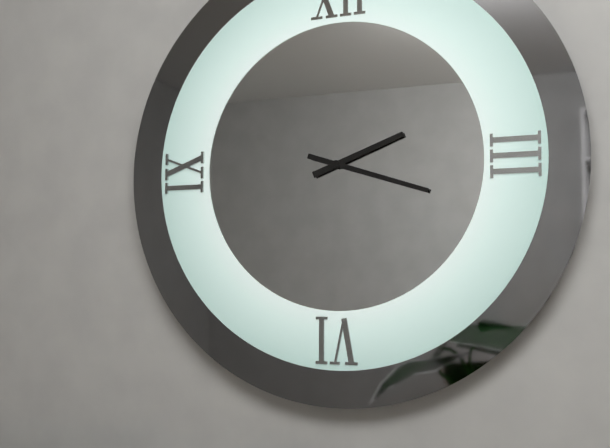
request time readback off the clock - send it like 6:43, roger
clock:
2:18
